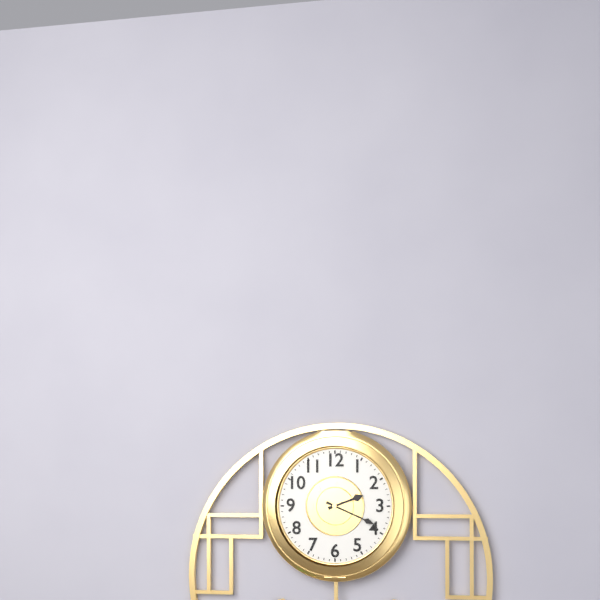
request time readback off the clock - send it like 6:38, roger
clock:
2:19
